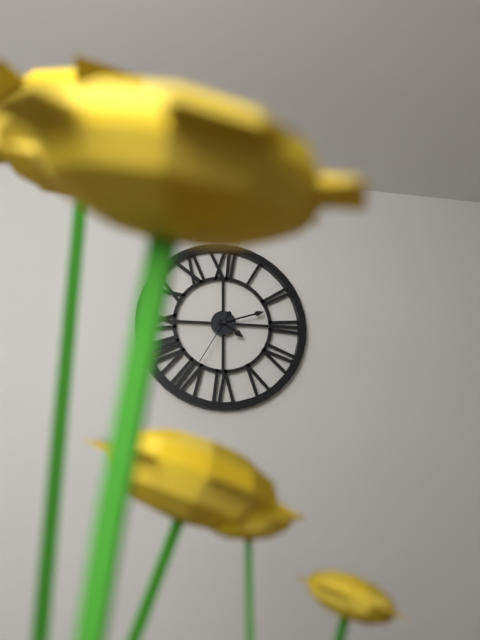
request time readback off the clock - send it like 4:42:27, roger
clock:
4:12:35
